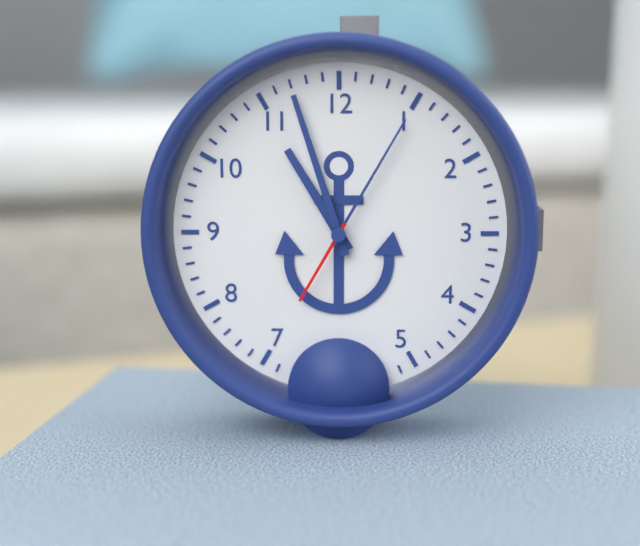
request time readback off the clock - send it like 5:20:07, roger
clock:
10:57:35
